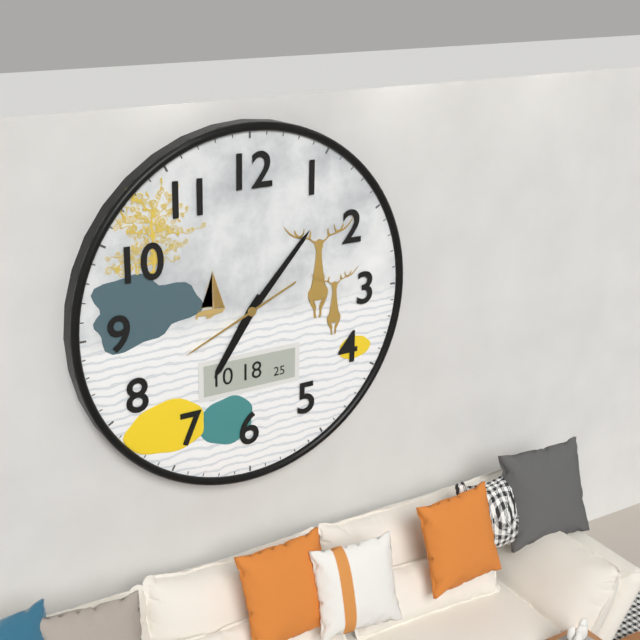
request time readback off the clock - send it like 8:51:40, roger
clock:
7:07:41
